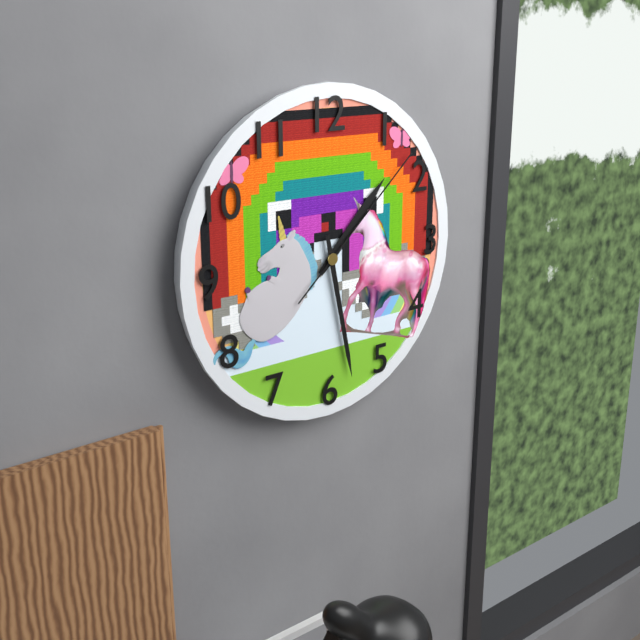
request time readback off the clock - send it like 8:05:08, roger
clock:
1:28:08
